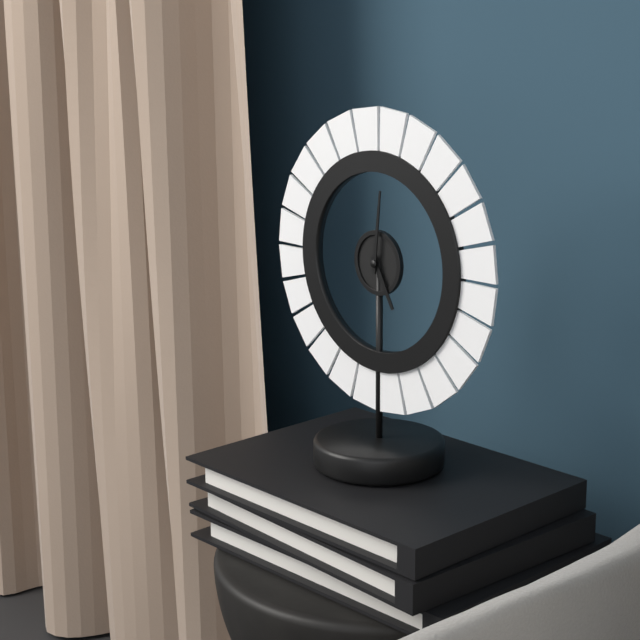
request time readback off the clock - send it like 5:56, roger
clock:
5:01
